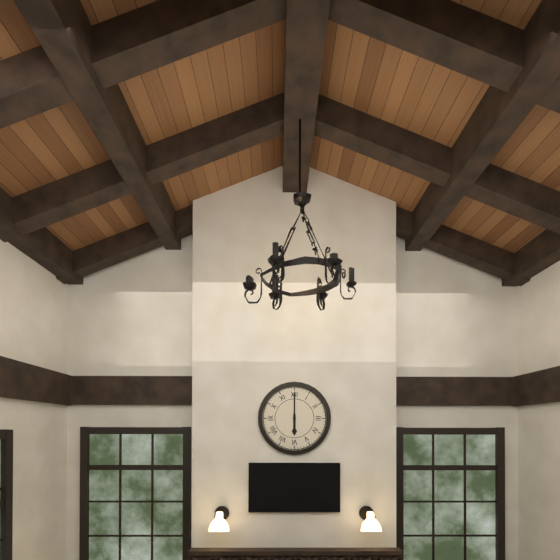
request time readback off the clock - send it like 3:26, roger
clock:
6:00
